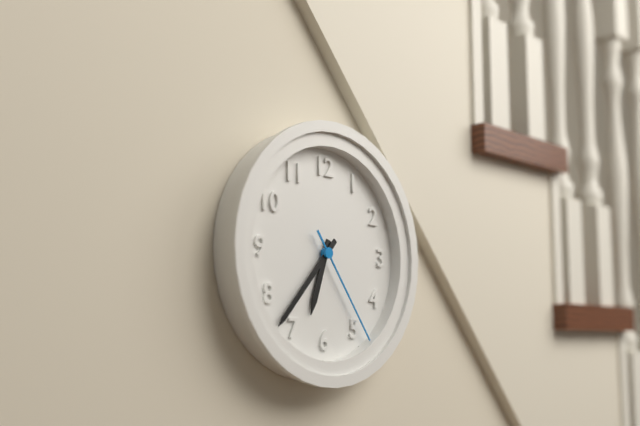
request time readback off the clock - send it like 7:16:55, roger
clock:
6:37:24
